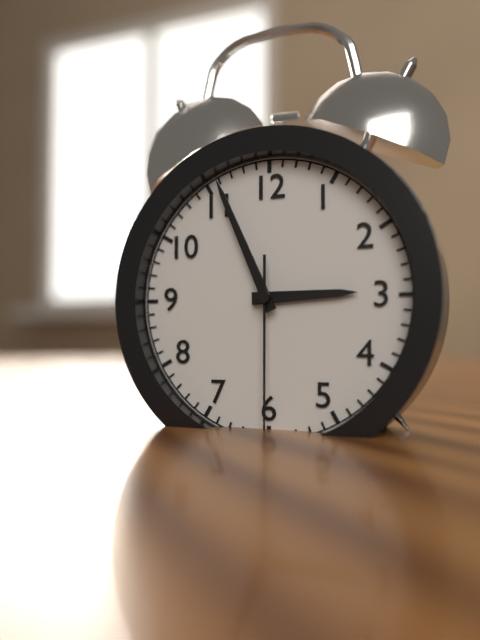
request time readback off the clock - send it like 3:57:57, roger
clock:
2:56:30
